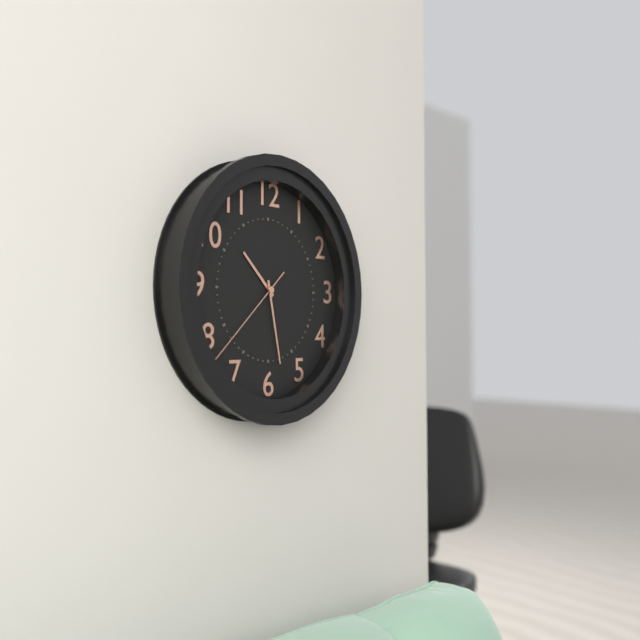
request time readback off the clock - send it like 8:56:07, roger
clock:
10:28:38
